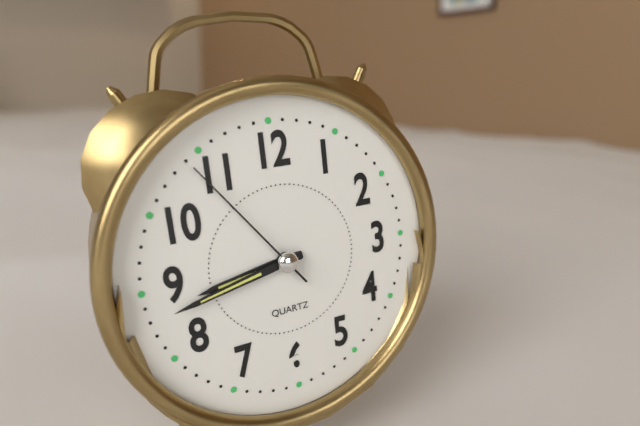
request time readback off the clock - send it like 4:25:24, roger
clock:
8:43:54
